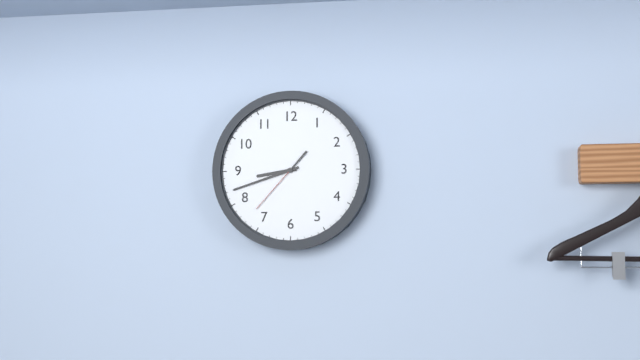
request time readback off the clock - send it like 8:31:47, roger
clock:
8:42:37
